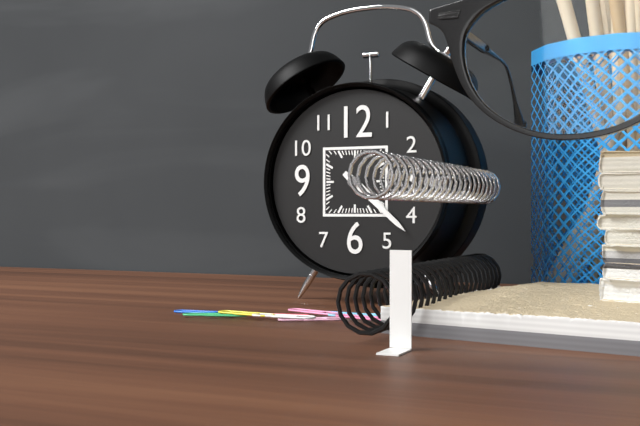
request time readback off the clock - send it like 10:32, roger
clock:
4:22
